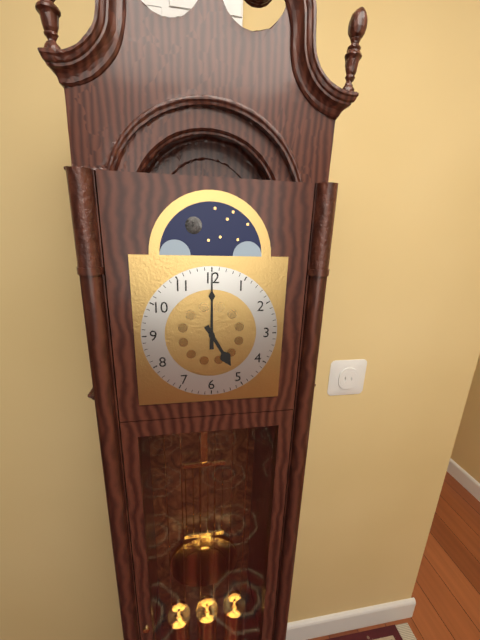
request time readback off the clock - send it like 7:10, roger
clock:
5:00
